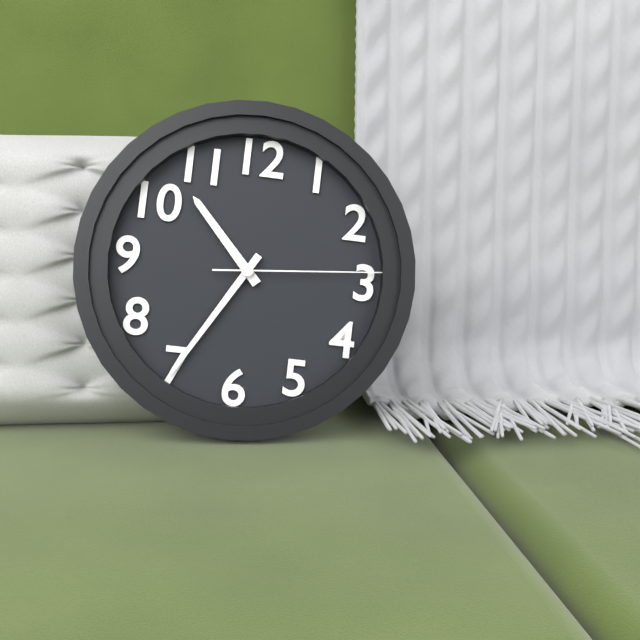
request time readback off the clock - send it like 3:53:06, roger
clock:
10:35:14
